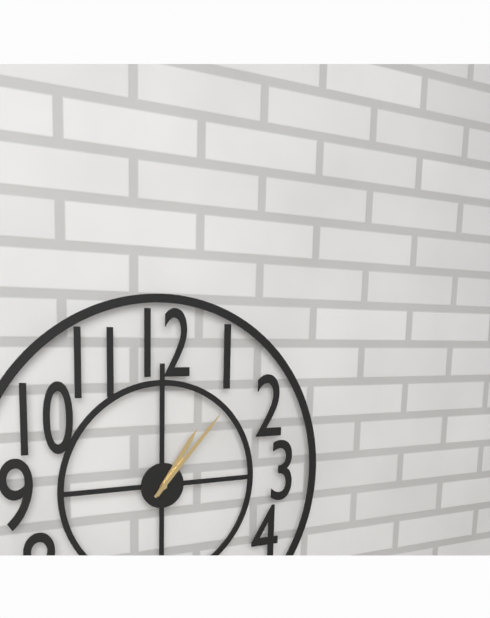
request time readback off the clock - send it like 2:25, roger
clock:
1:07
